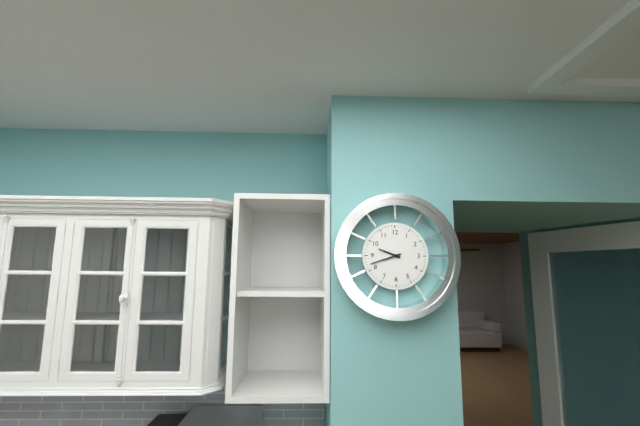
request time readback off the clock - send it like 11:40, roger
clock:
9:42
